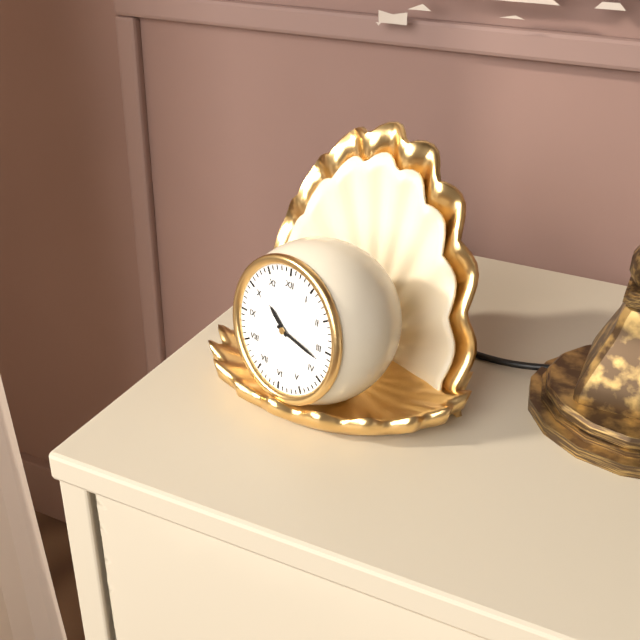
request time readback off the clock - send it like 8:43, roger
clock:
10:17
